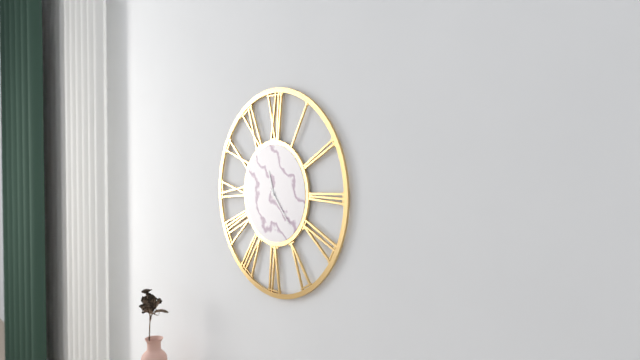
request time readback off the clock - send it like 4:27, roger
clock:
11:23
